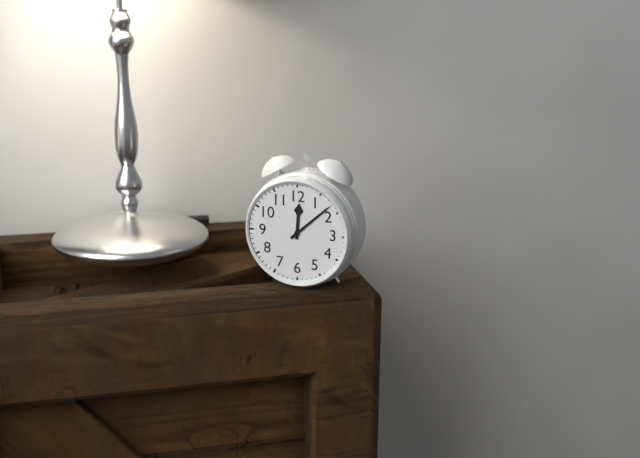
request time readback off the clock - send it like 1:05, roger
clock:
12:08
